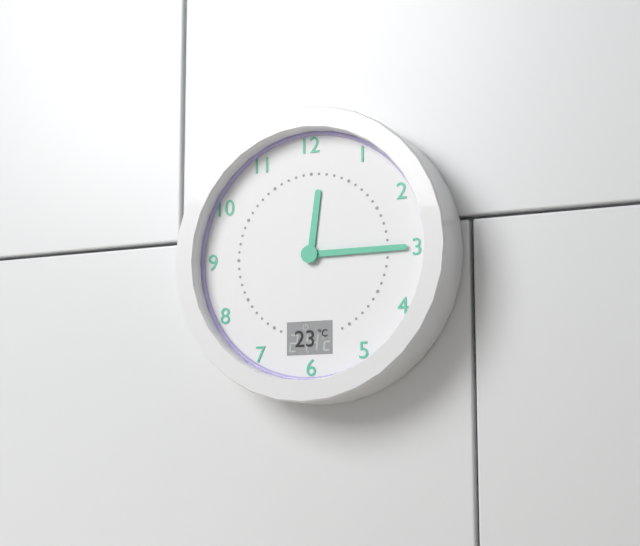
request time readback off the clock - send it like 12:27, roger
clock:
12:15
